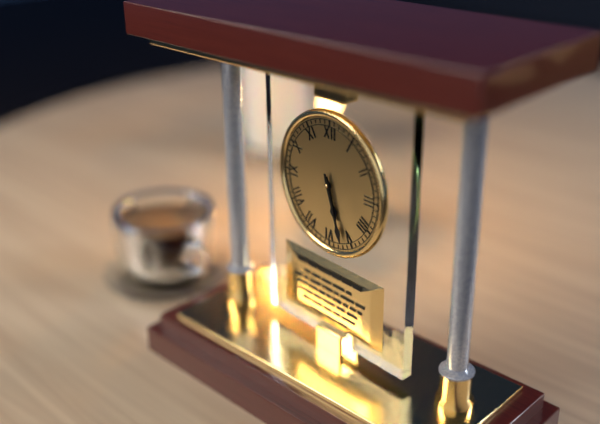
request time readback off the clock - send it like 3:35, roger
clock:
5:27
